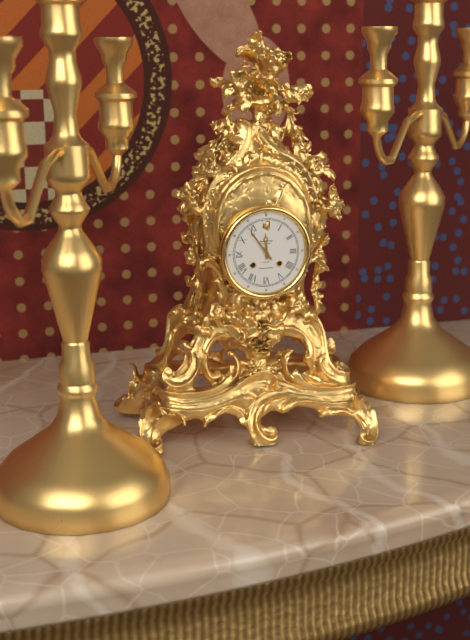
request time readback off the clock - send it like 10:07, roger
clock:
11:54
